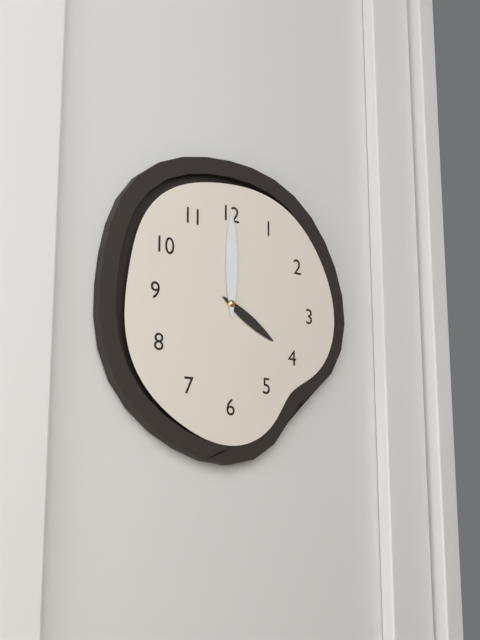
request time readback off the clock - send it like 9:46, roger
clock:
4:00
